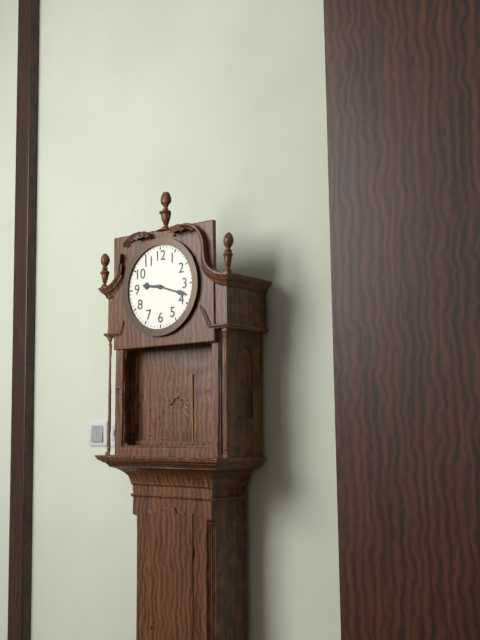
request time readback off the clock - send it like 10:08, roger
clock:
9:18
